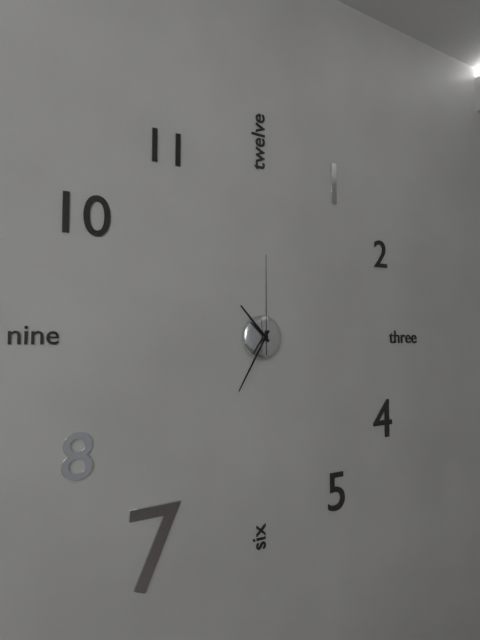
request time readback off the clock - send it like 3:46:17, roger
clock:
10:35:00
